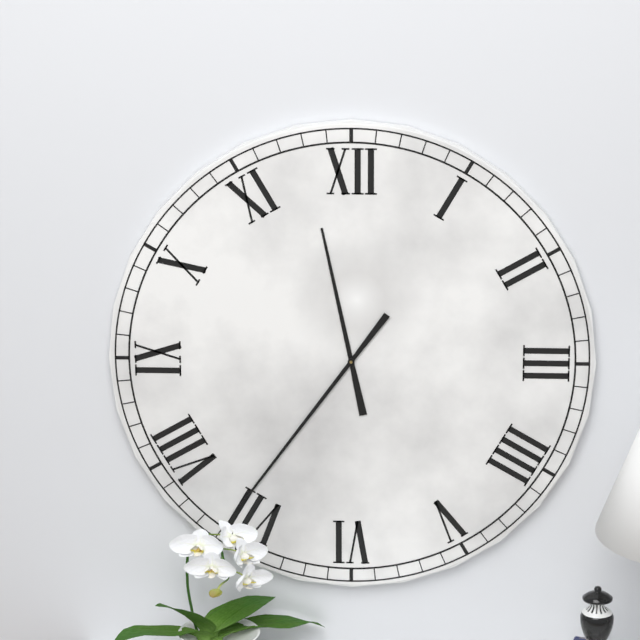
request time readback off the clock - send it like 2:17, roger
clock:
11:36
